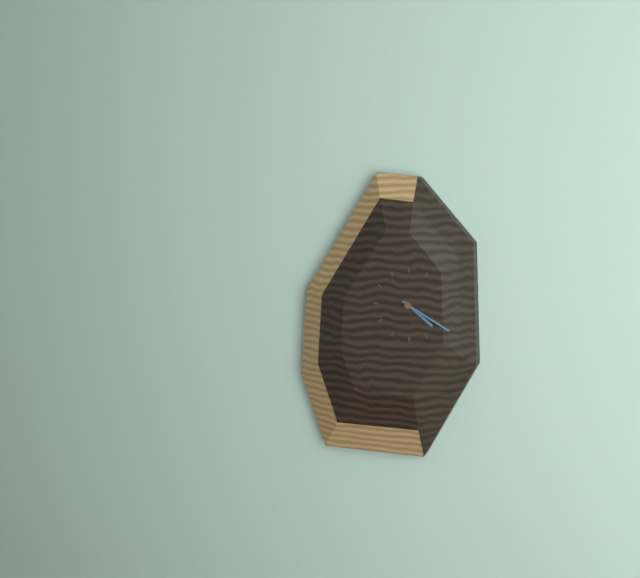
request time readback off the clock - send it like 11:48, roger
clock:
4:20
